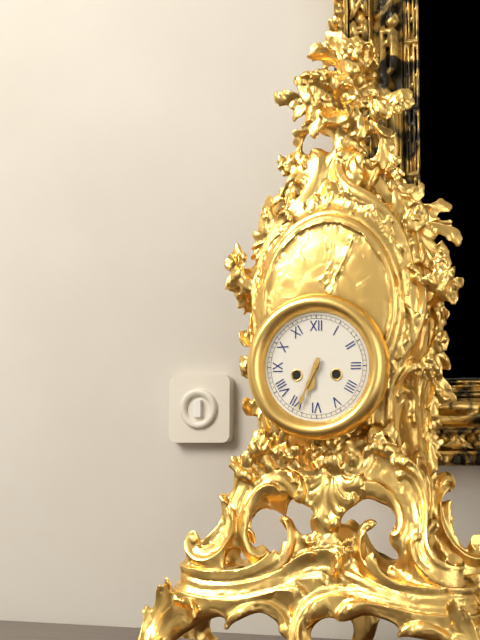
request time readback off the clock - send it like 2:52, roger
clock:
6:34
